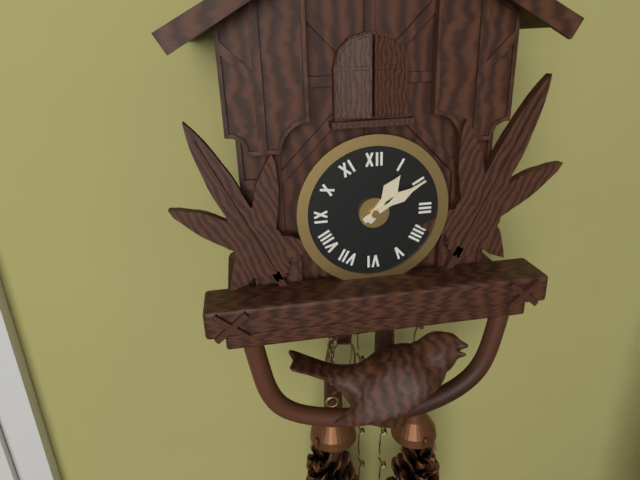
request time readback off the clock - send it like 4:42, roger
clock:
1:10
